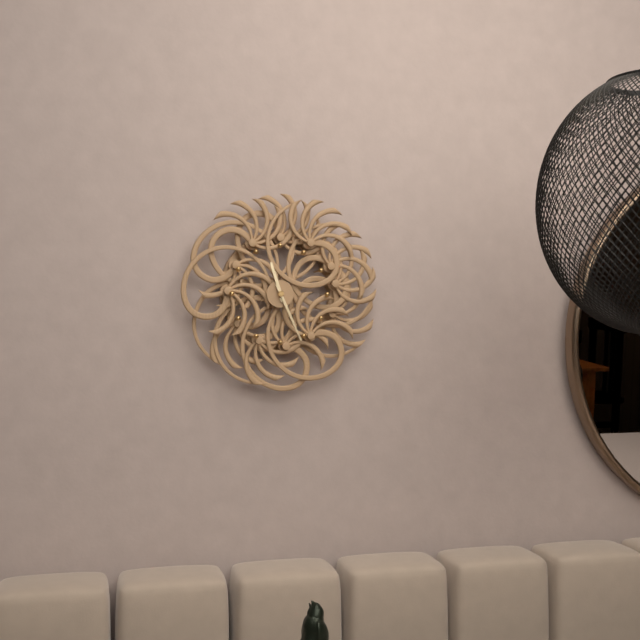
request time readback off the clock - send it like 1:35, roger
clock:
11:26
